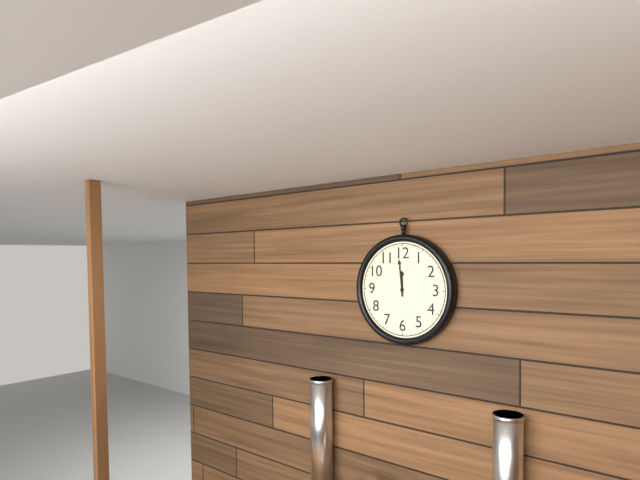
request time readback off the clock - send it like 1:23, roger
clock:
11:59
